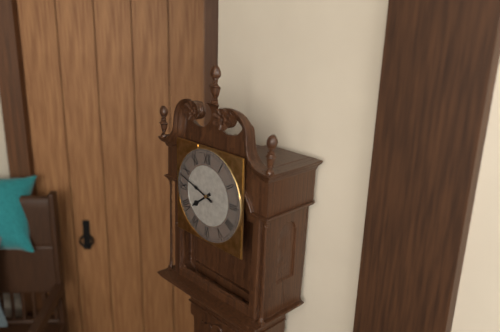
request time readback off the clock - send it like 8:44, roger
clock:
7:48
